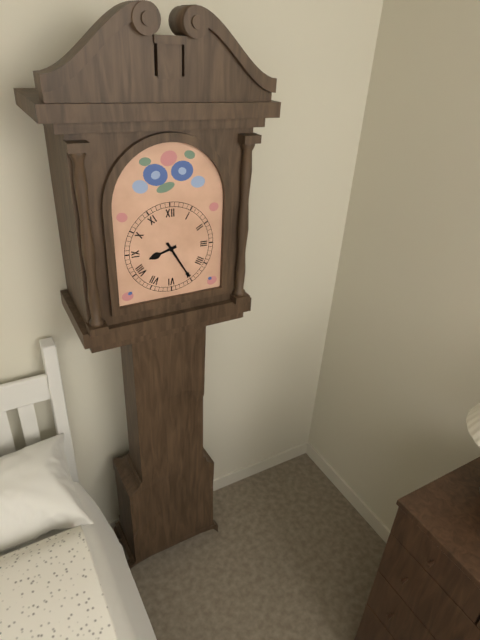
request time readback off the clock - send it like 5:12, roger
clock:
8:25
